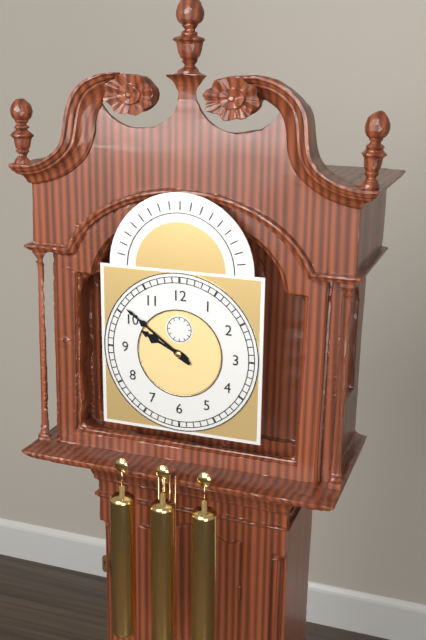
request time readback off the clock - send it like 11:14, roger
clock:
9:51
